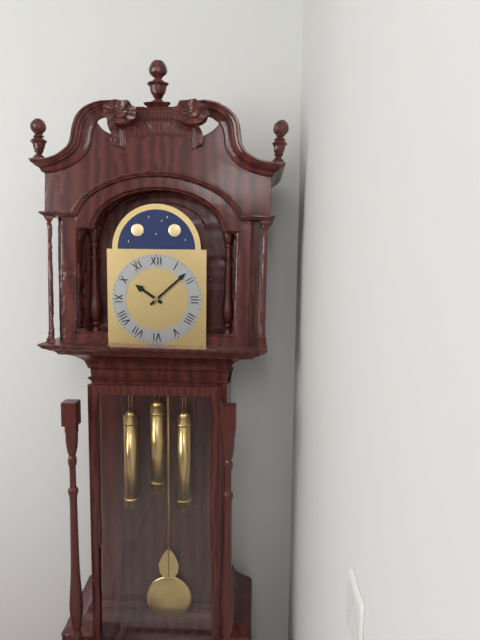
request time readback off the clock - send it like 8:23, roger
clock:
10:08
